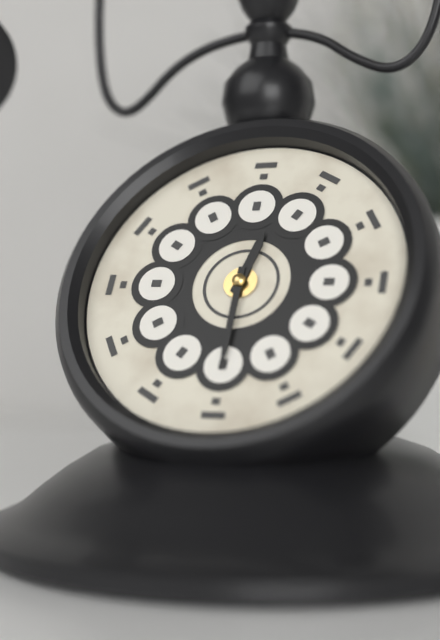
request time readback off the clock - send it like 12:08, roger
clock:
12:30
